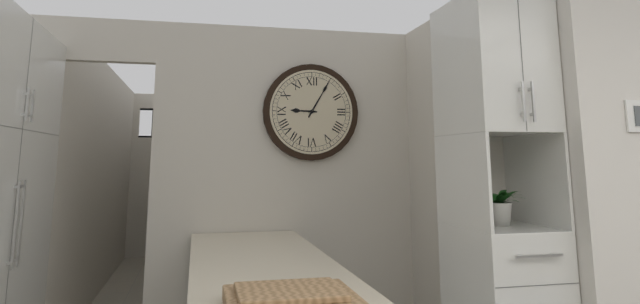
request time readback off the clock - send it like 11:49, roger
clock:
9:05
